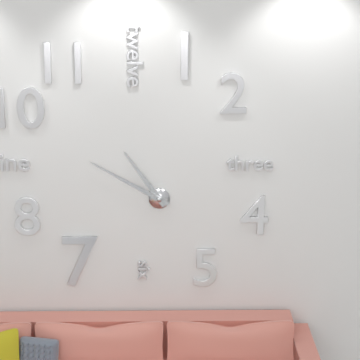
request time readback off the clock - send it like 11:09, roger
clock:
10:50
